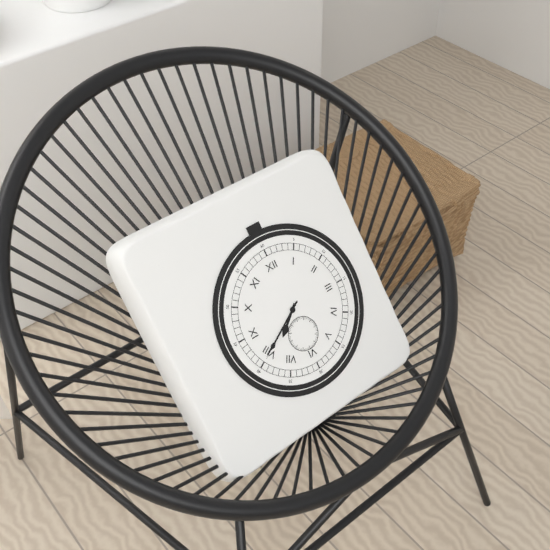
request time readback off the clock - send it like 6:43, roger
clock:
7:40
